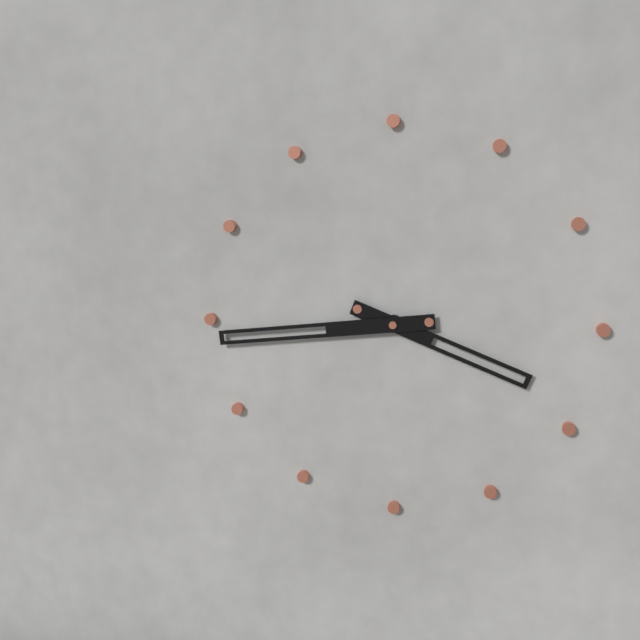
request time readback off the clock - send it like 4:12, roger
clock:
3:44
